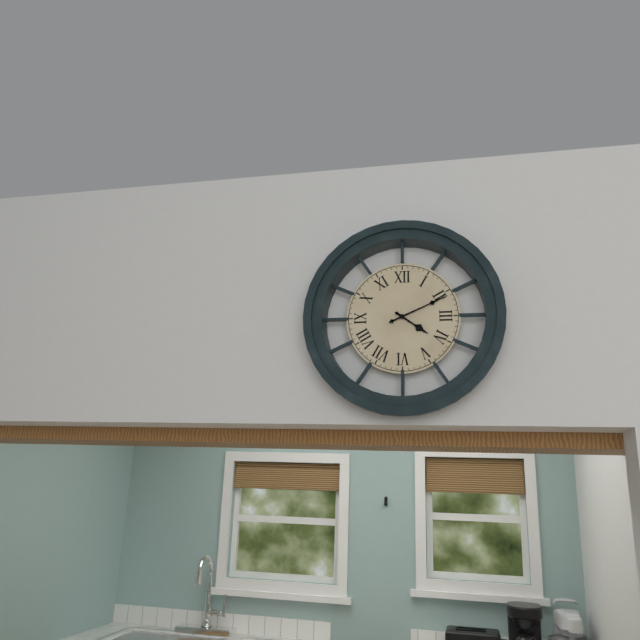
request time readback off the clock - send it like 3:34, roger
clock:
4:11
